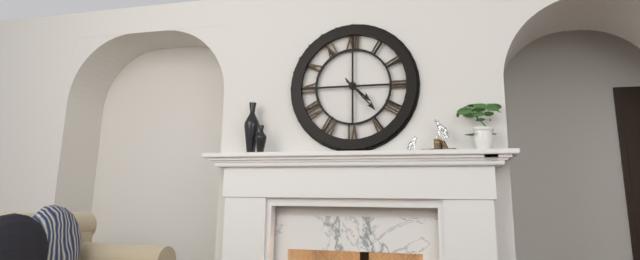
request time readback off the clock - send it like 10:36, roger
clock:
4:23
